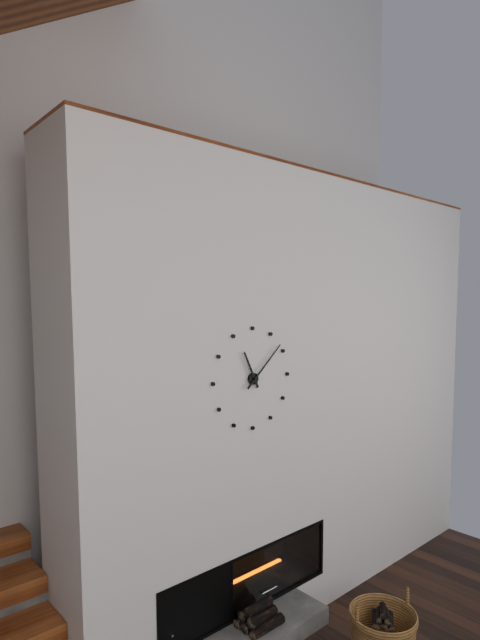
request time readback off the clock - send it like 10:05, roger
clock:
11:08
